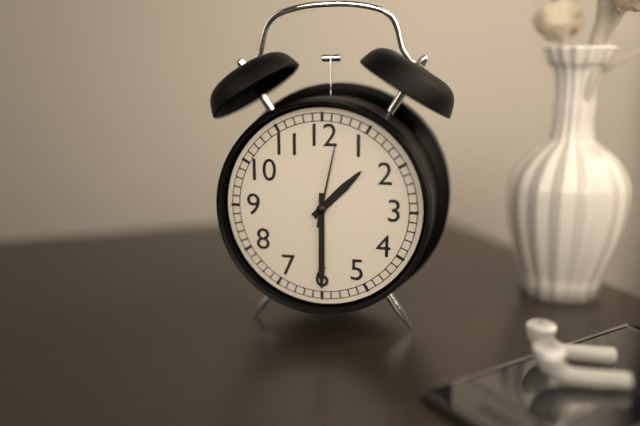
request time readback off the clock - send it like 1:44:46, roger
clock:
1:30:02
